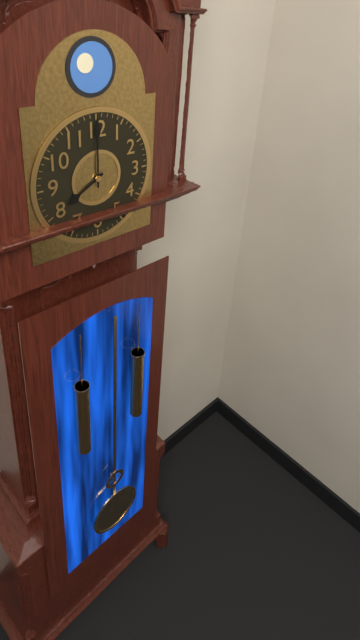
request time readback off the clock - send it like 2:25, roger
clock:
8:00
